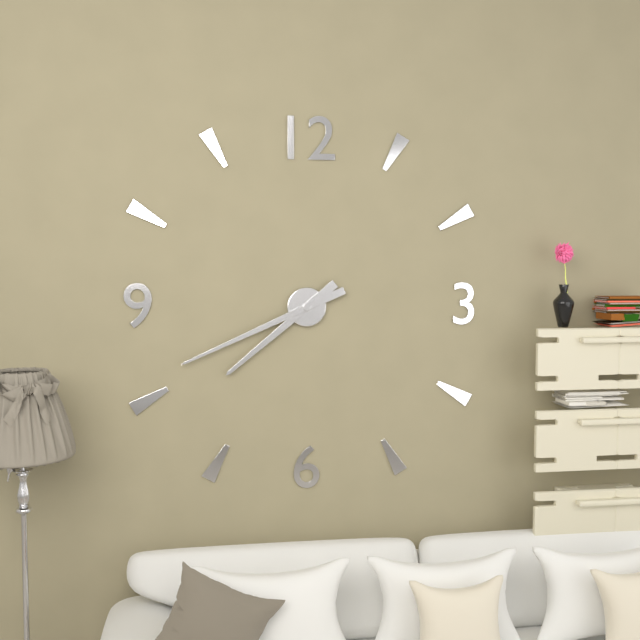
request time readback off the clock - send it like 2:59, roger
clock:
7:41
